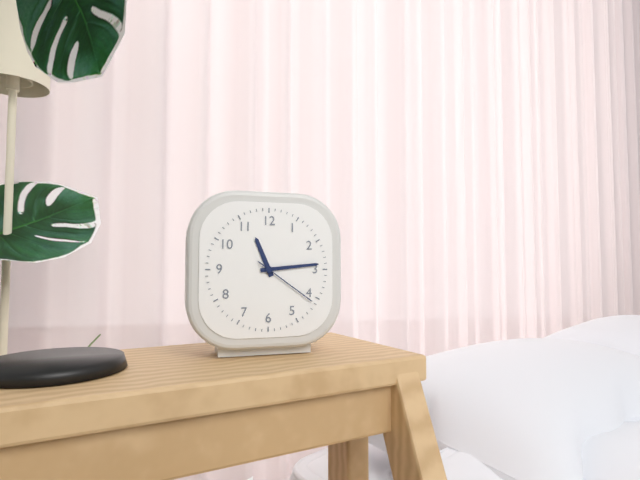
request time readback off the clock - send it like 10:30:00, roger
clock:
11:14:21
